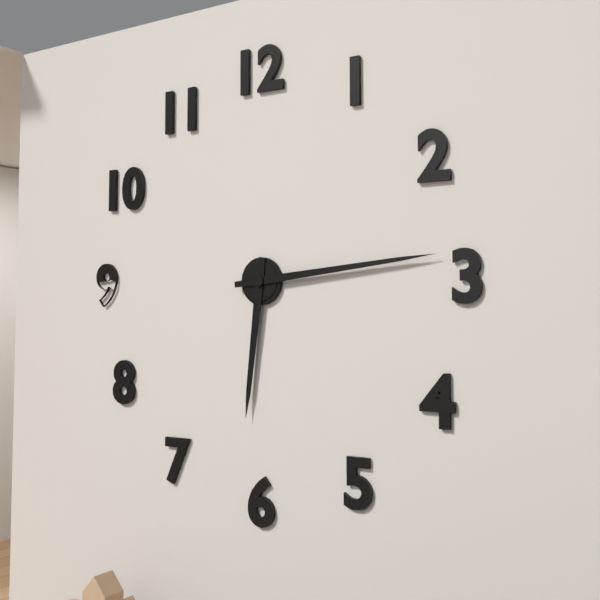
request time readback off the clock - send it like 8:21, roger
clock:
6:14
